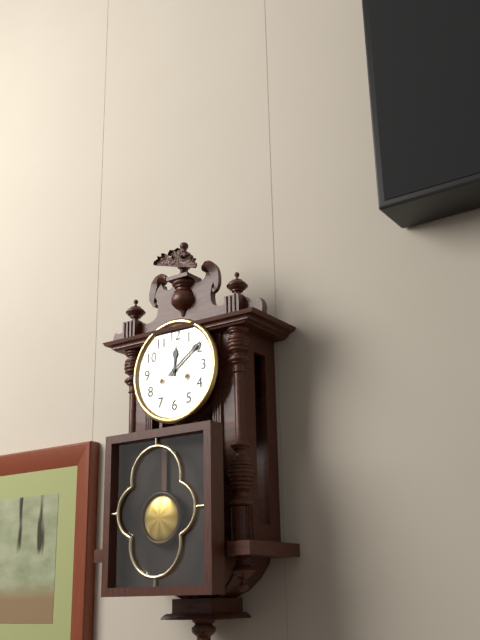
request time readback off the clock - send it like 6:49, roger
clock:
12:09
